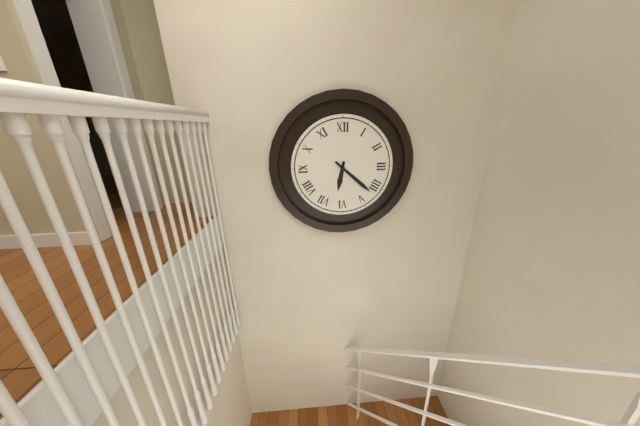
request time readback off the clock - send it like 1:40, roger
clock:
6:22
